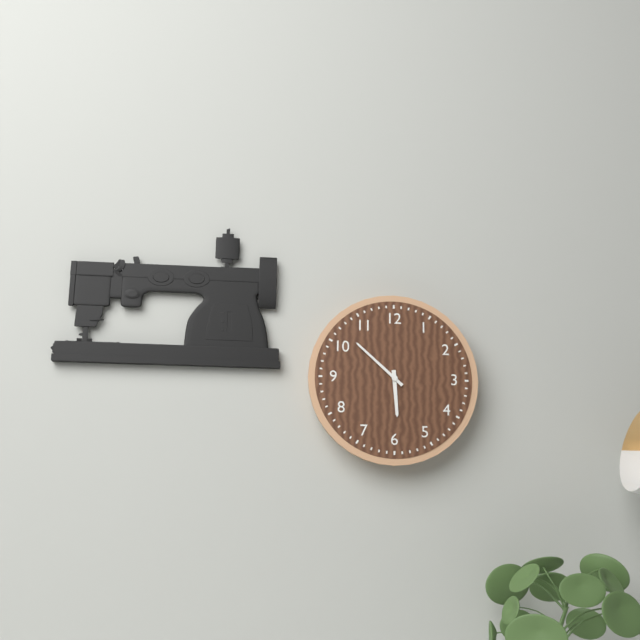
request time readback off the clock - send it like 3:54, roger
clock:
5:52
